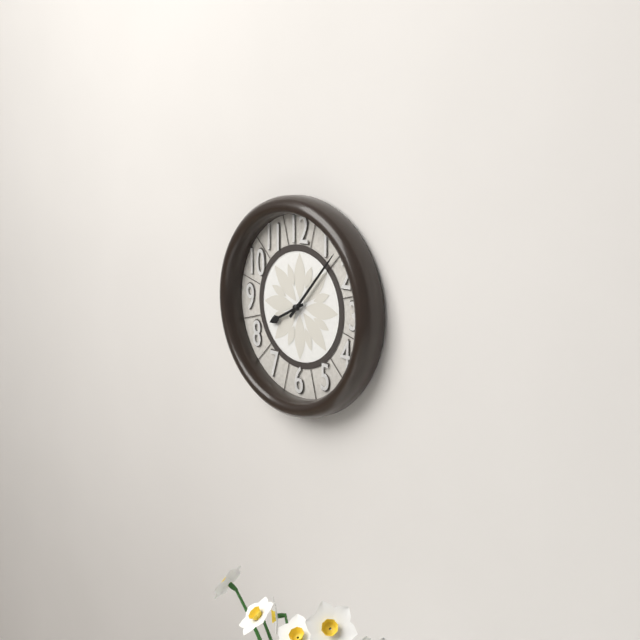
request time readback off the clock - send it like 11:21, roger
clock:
8:07
